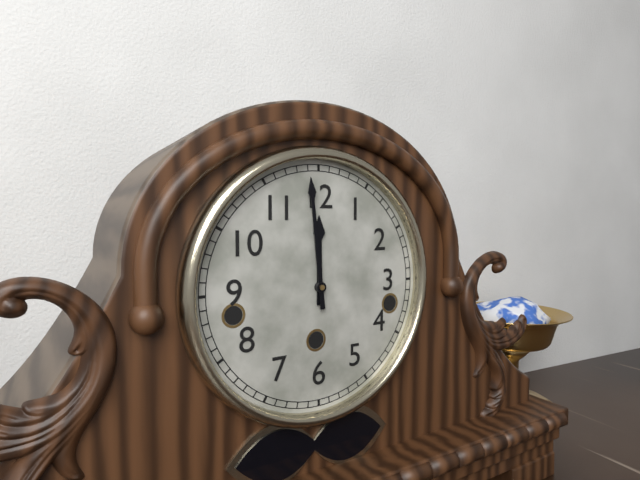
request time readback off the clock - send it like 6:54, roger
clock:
11:59
